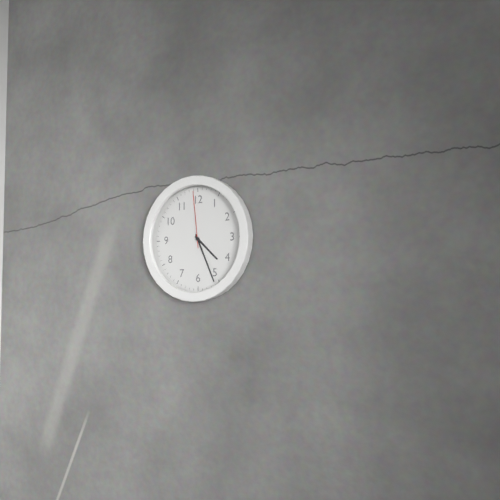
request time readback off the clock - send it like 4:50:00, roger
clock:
4:26:59
